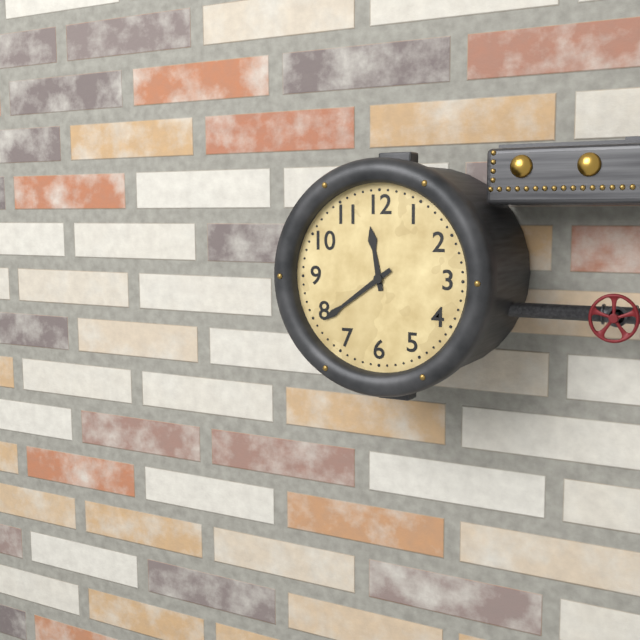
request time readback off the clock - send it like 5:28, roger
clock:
11:39
